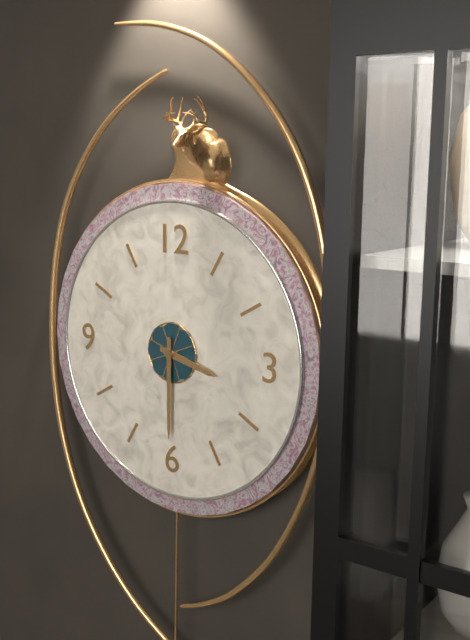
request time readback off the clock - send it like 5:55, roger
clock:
3:30
